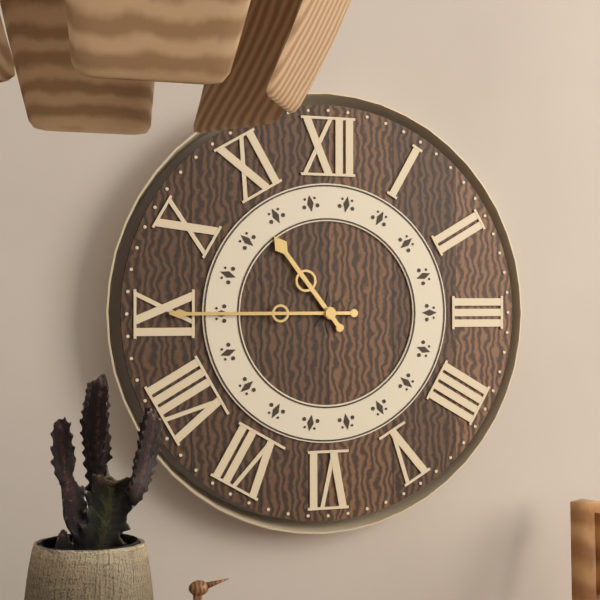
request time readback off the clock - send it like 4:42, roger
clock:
10:45
